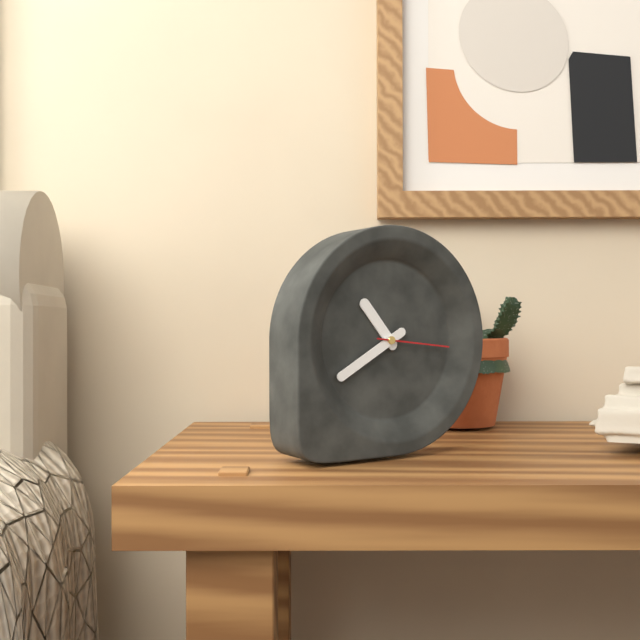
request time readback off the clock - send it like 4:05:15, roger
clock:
10:40:16
